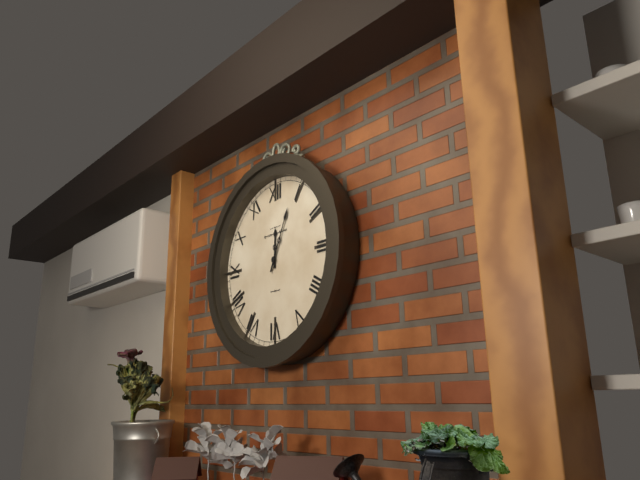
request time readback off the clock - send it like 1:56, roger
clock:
12:04
